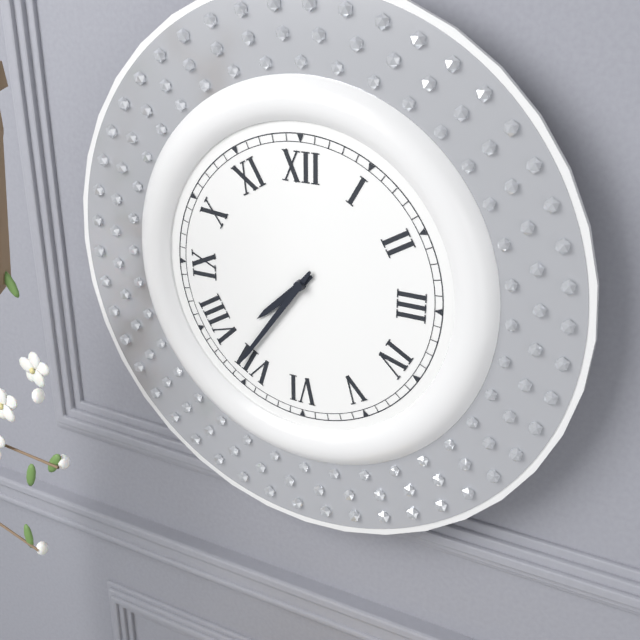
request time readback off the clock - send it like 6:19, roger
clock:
7:36
